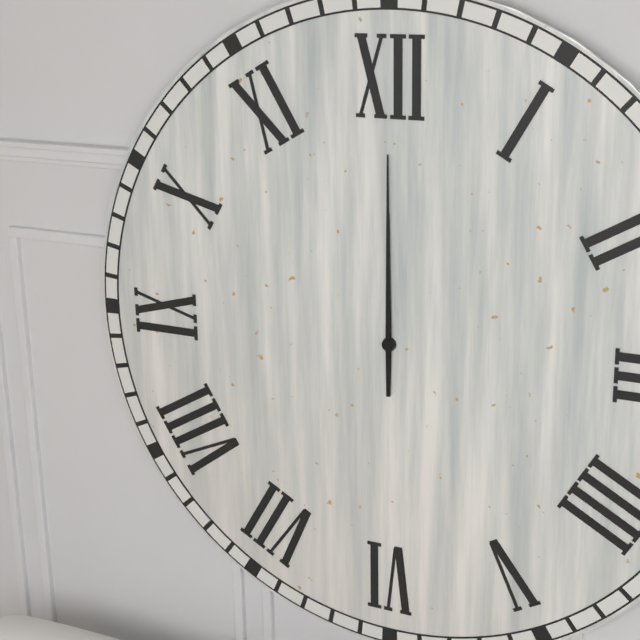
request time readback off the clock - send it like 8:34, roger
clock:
12:00
